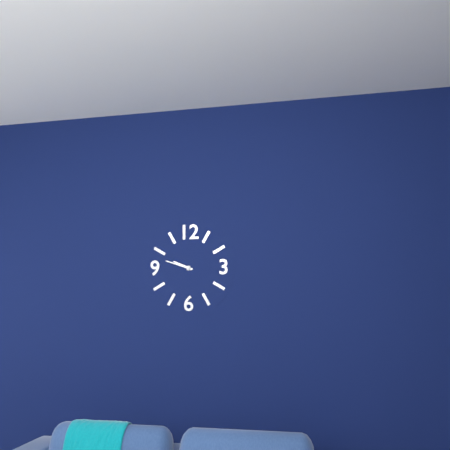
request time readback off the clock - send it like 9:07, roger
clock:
9:48
